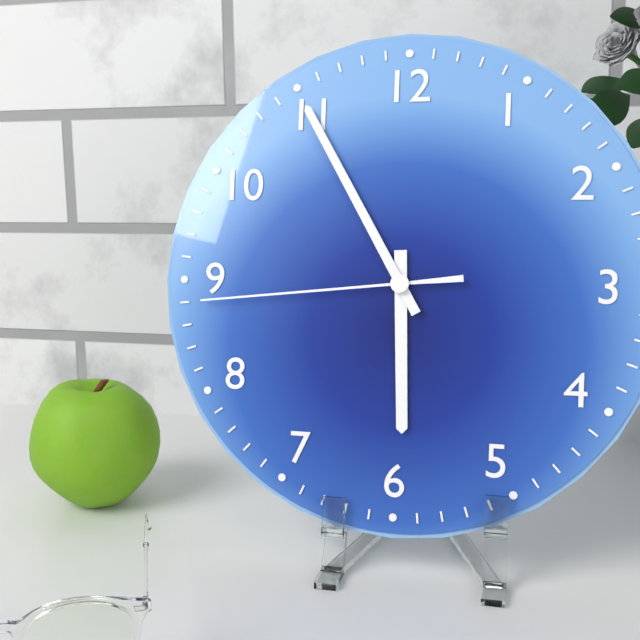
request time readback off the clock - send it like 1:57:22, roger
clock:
5:55:44
